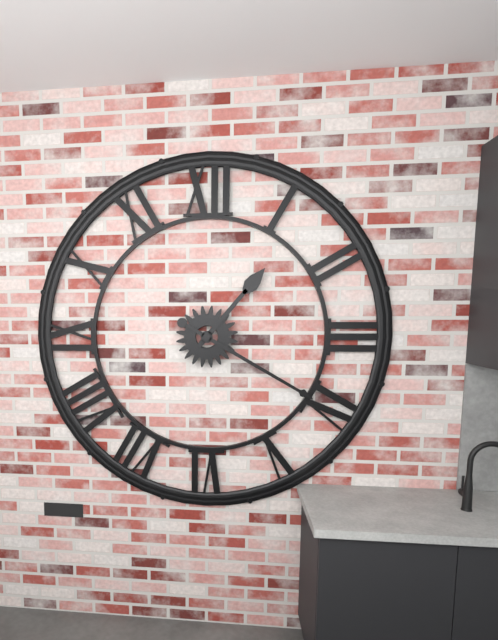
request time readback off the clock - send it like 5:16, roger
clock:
1:20
